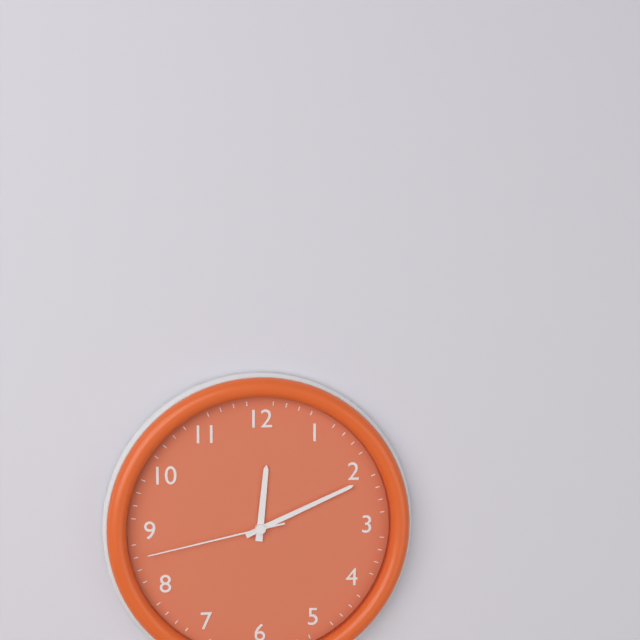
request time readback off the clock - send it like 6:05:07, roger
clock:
12:11:43
